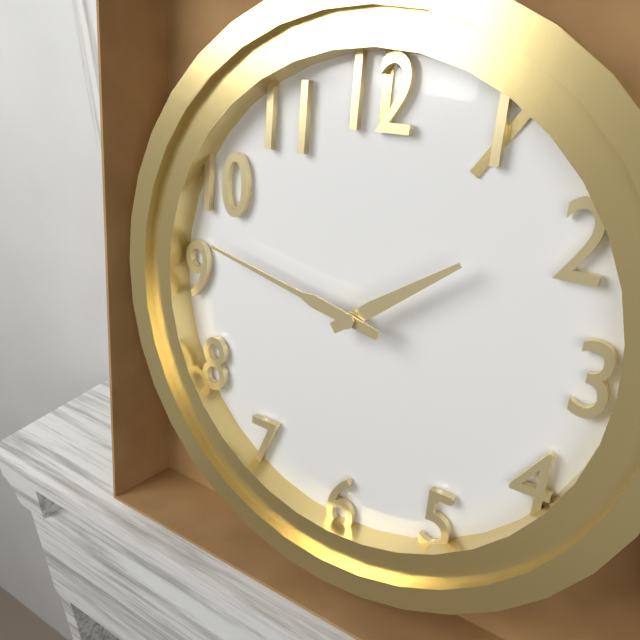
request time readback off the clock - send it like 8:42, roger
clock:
1:47
